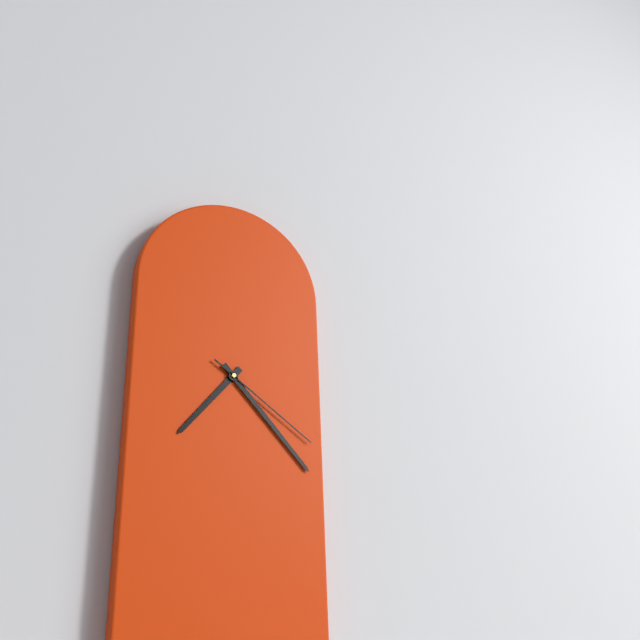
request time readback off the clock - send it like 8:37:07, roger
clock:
7:23:21
